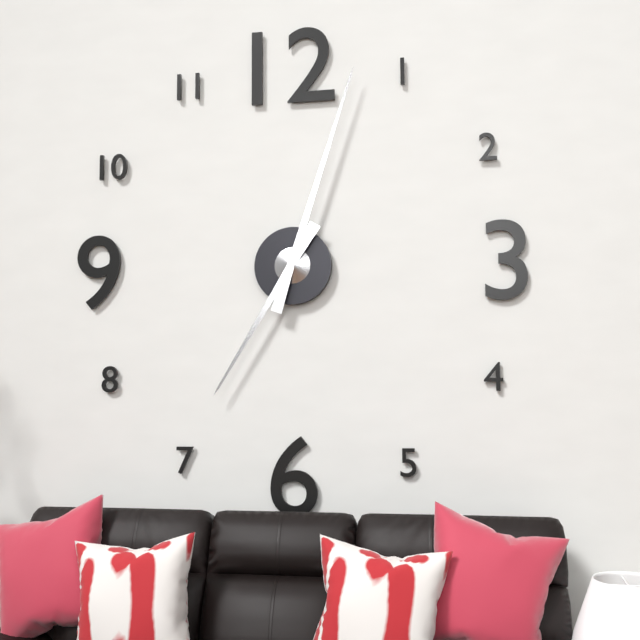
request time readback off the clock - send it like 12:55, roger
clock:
7:03
